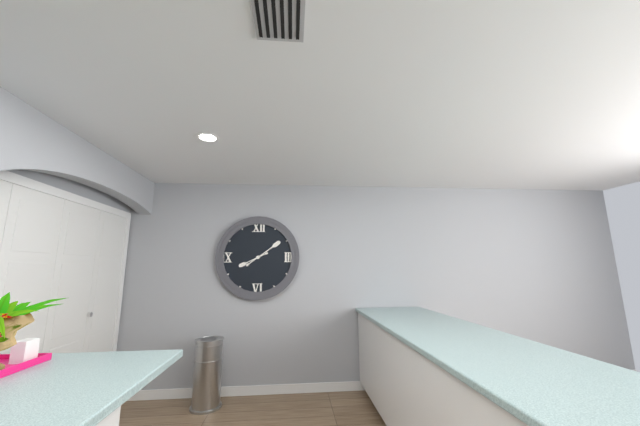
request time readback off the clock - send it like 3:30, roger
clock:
8:09
